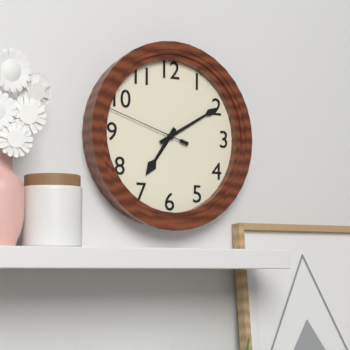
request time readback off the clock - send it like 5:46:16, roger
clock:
7:10:48
